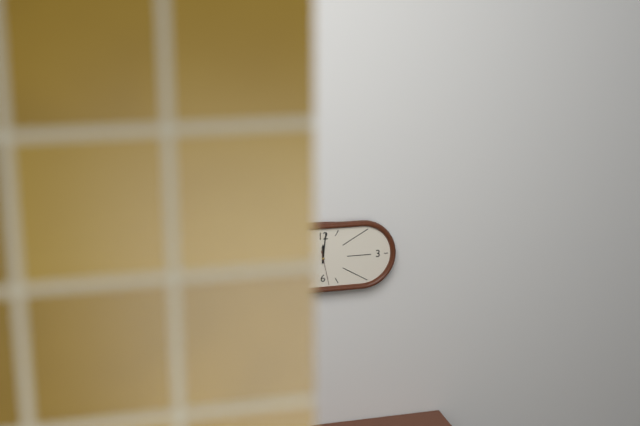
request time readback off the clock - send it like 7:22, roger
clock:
12:01
